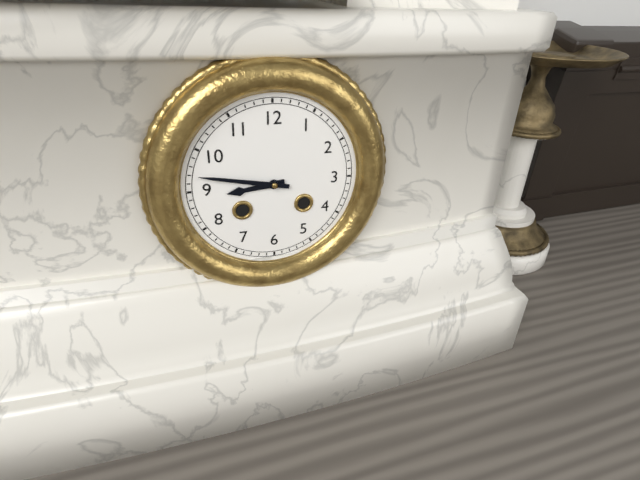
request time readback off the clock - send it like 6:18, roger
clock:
8:47
